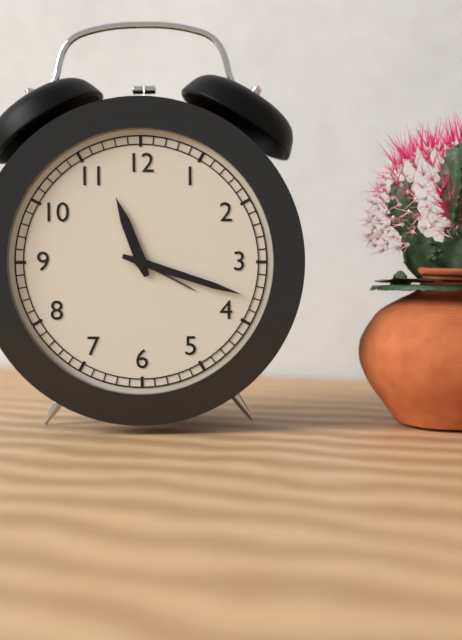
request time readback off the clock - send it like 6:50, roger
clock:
11:18
